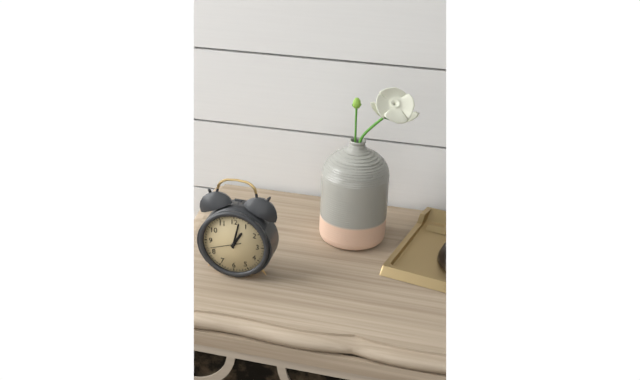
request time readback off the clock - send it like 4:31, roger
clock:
1:02
